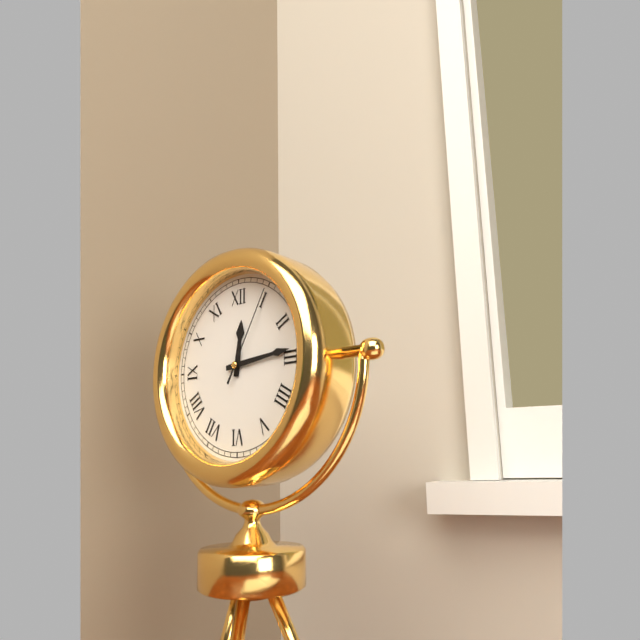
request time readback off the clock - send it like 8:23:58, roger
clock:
12:14:05
